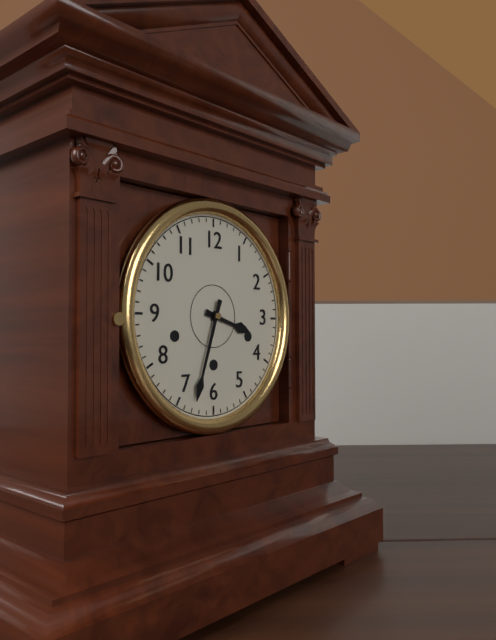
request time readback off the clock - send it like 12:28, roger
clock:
3:33
